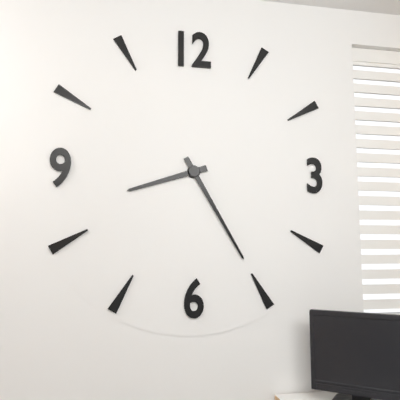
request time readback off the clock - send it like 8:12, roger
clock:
8:25
